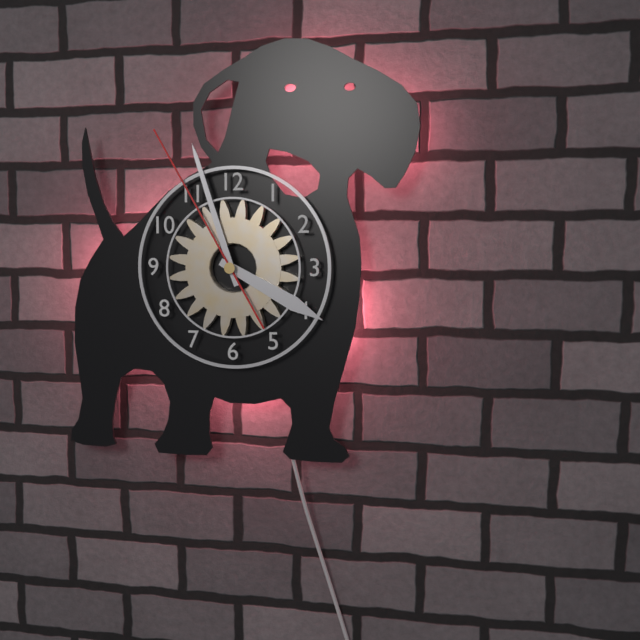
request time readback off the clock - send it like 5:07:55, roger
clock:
3:57:55
